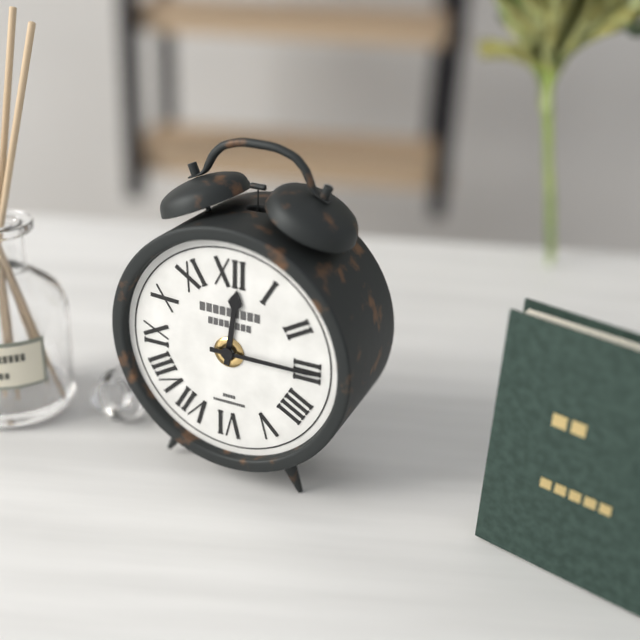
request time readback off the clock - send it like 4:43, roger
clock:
12:15
